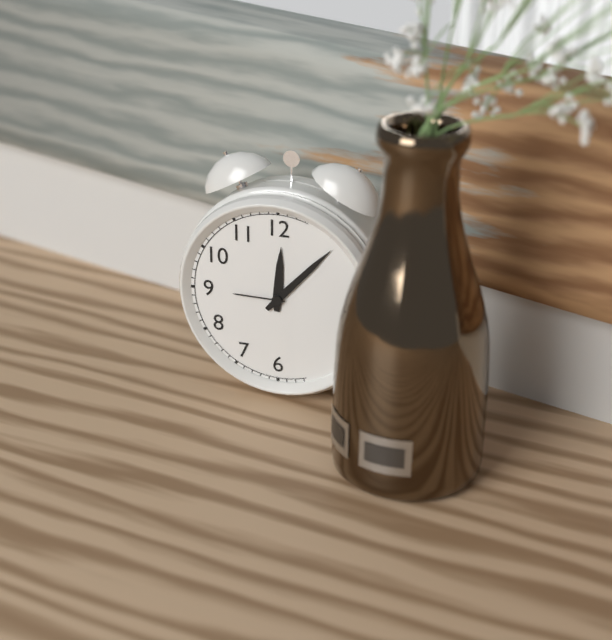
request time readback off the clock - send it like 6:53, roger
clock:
12:07
